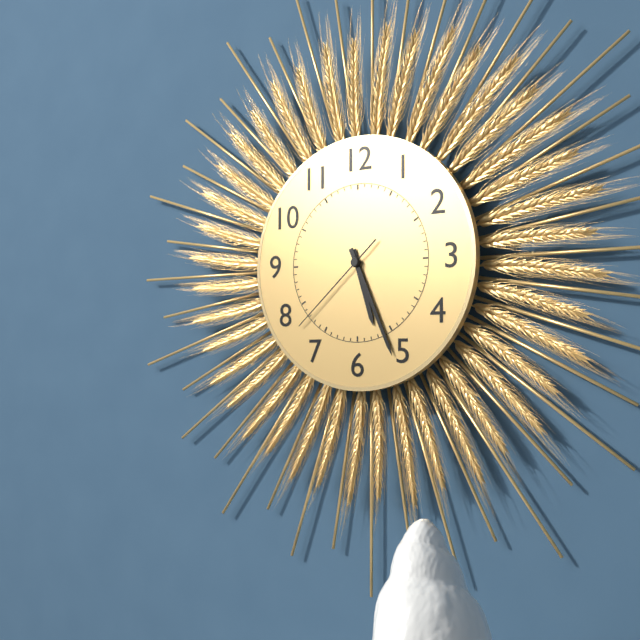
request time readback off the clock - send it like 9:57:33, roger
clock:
5:26:38
